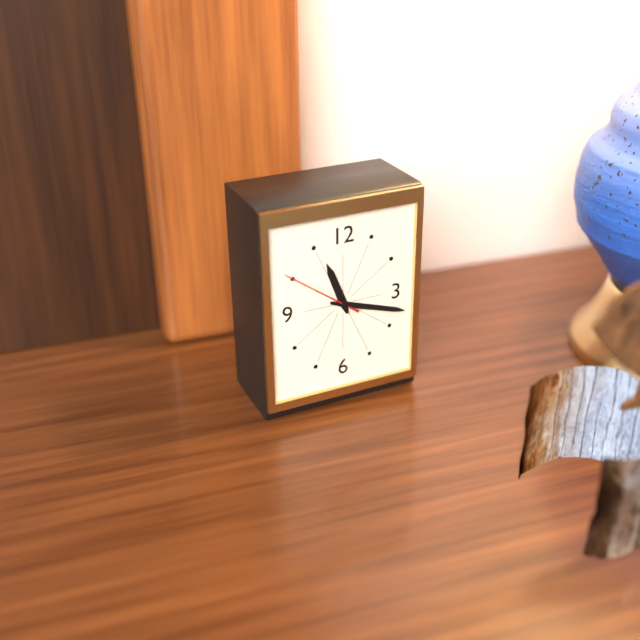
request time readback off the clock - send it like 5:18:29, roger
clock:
11:18:51
